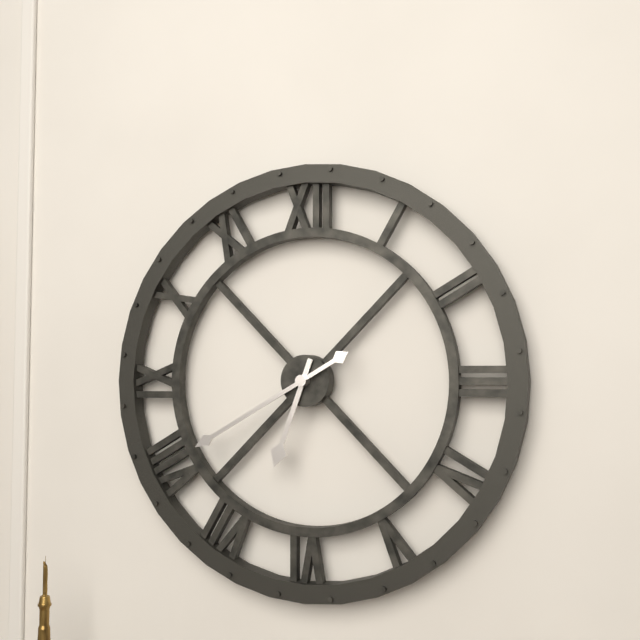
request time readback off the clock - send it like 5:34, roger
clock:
6:40
